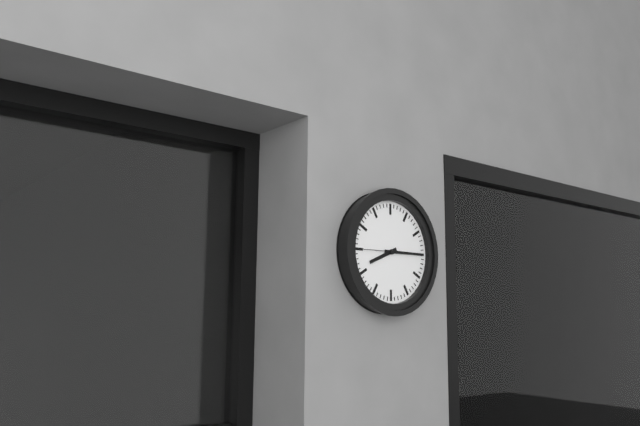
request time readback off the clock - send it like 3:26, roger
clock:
8:15
